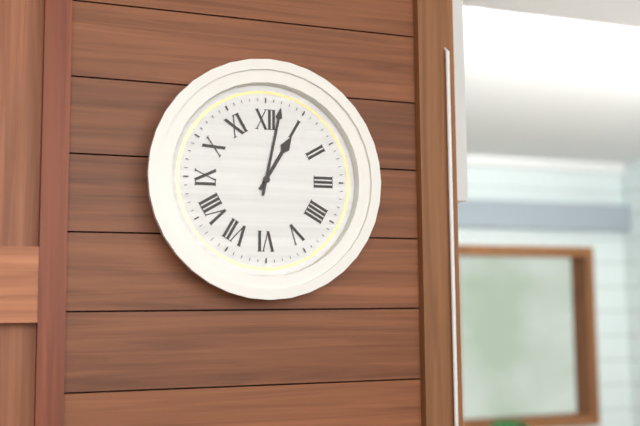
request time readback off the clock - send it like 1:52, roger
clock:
1:02
